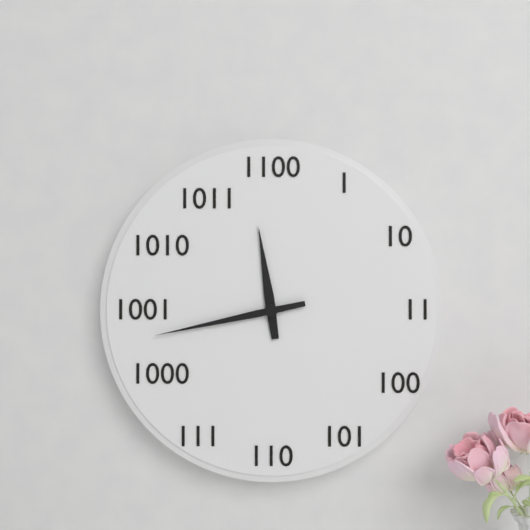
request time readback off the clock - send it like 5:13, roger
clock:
11:43
